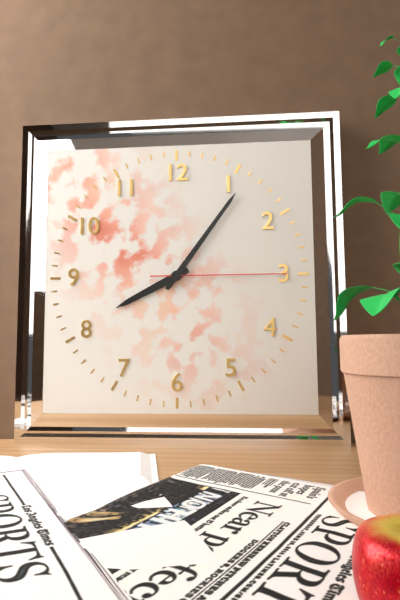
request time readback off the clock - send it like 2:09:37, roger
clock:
8:06:15
